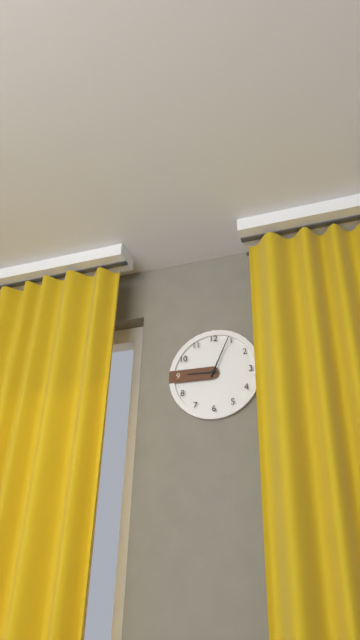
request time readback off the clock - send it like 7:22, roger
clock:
9:04
